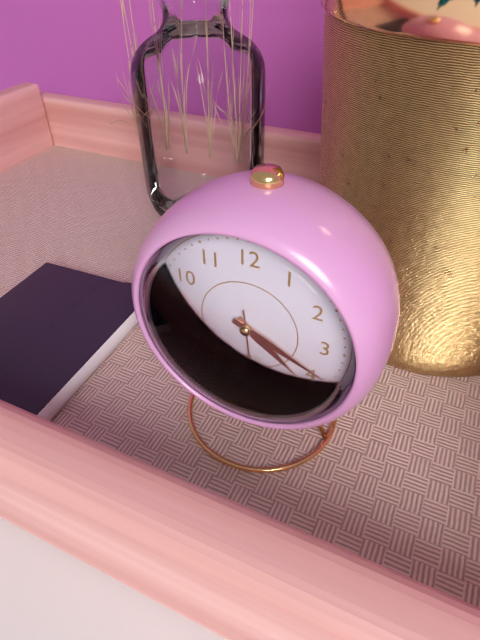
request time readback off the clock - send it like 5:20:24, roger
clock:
4:19:29
